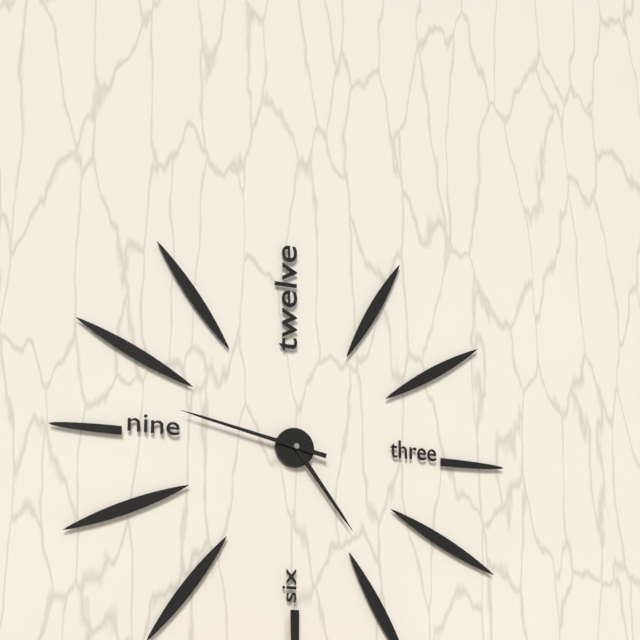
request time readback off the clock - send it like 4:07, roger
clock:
4:47
